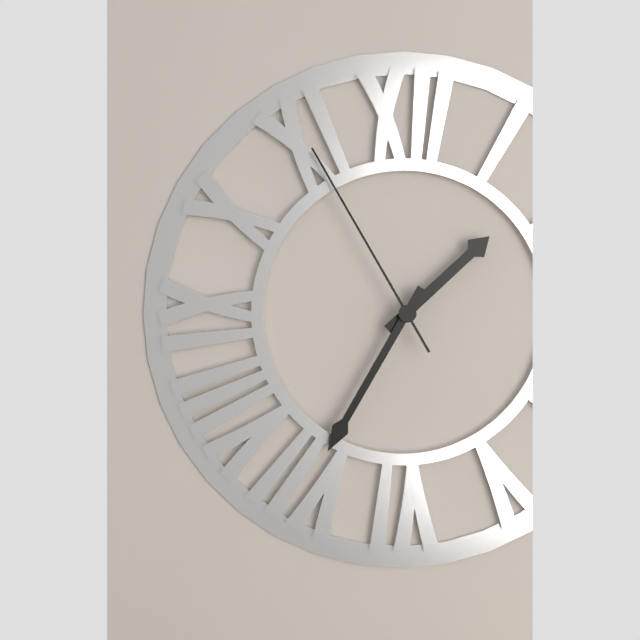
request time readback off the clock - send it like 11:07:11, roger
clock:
1:35:55
